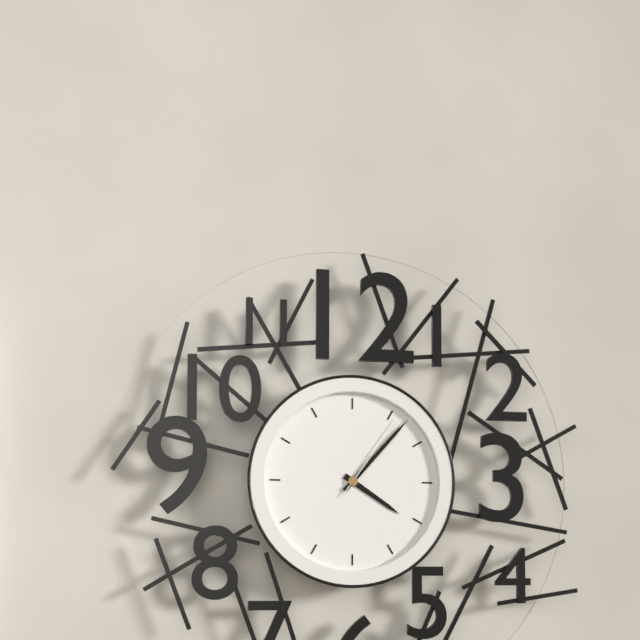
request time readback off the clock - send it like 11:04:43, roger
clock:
4:07:06
